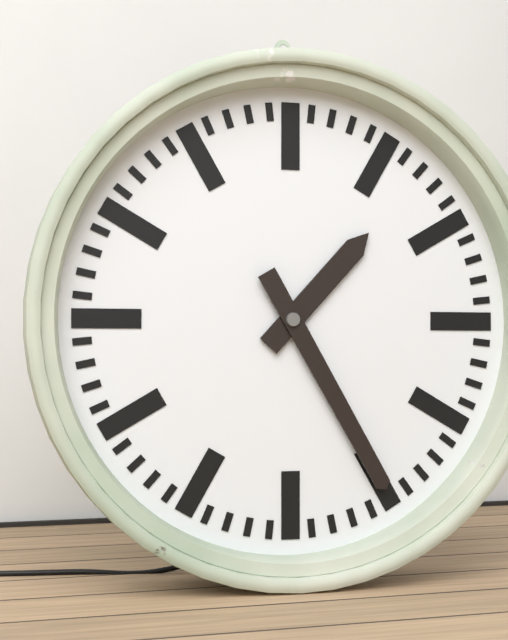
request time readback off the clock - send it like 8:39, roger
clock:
1:25
